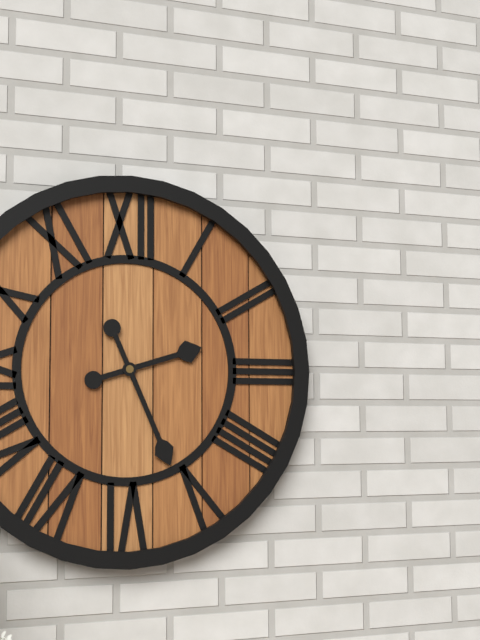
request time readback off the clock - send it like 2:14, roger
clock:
2:26
